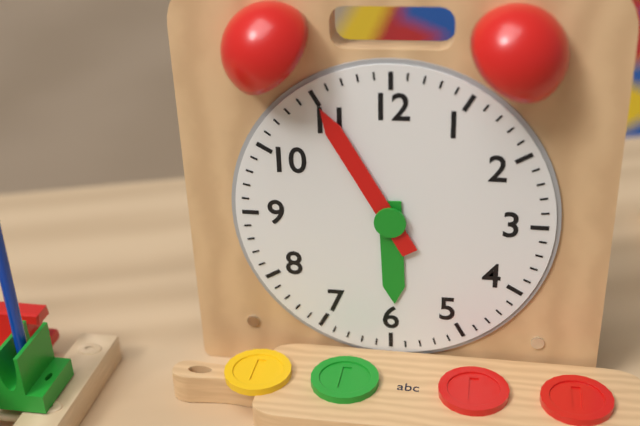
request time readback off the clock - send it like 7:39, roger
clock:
5:55
